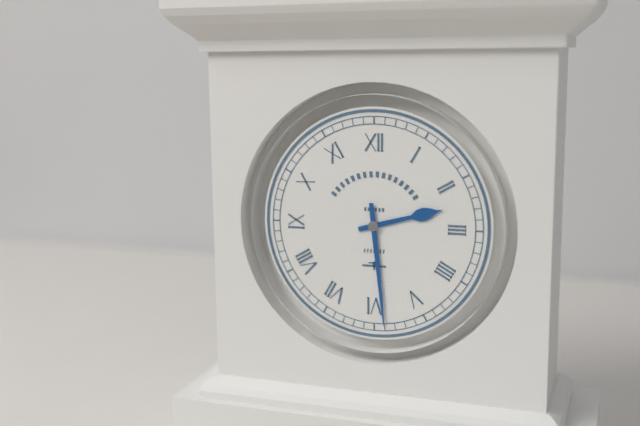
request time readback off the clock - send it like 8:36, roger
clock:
2:29
